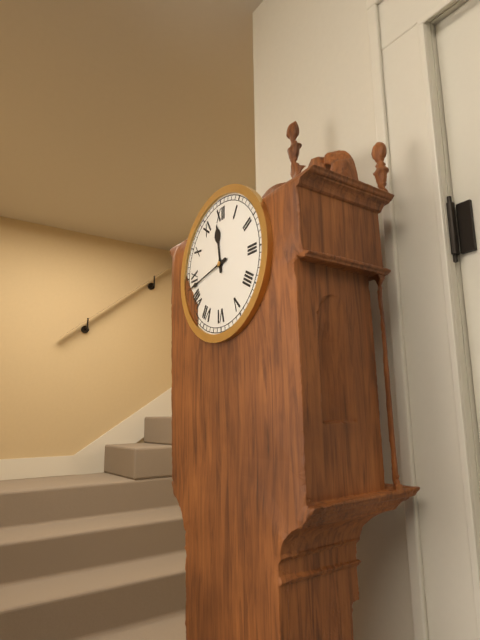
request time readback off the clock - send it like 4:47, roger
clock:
11:43
